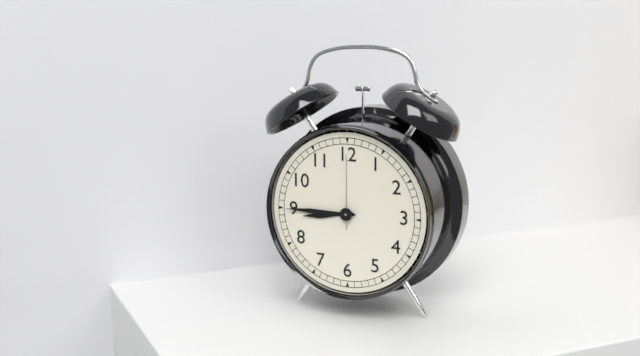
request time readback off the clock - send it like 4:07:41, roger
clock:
8:45:00
